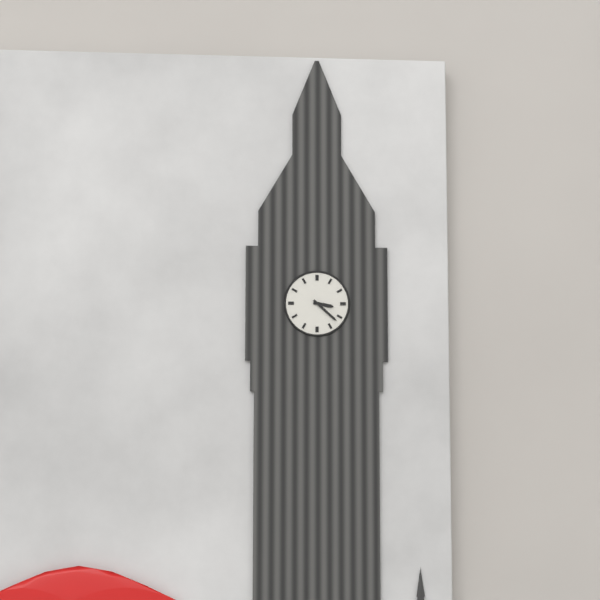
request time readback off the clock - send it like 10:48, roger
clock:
3:22
